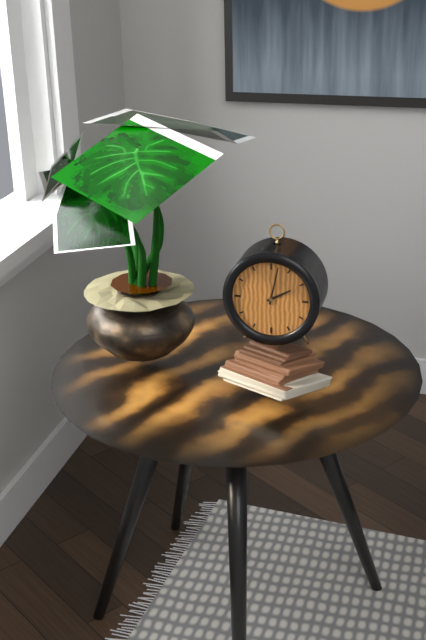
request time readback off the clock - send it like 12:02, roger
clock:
2:02
